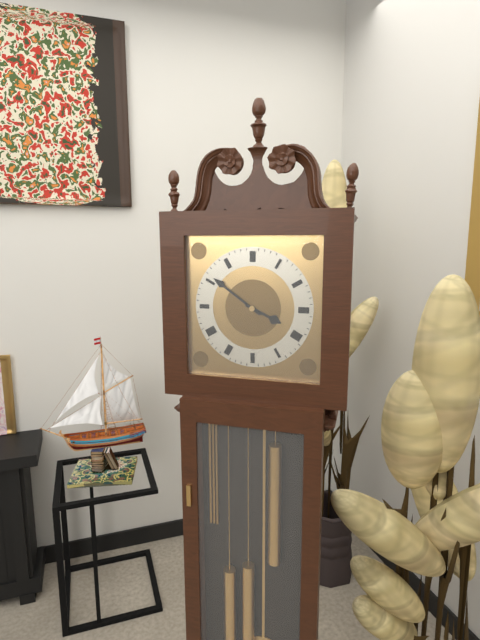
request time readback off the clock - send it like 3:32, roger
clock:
3:51
